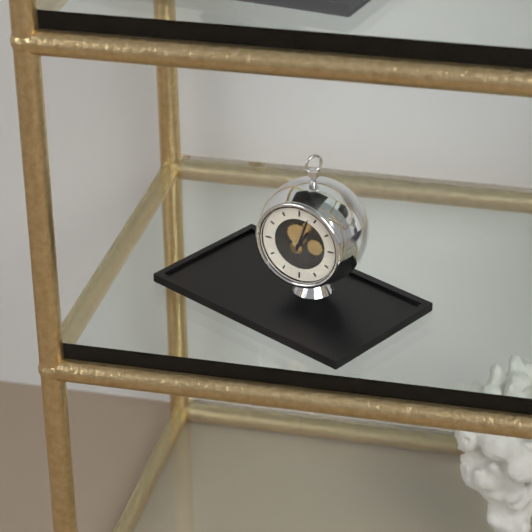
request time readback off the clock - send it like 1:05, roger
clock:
1:03
